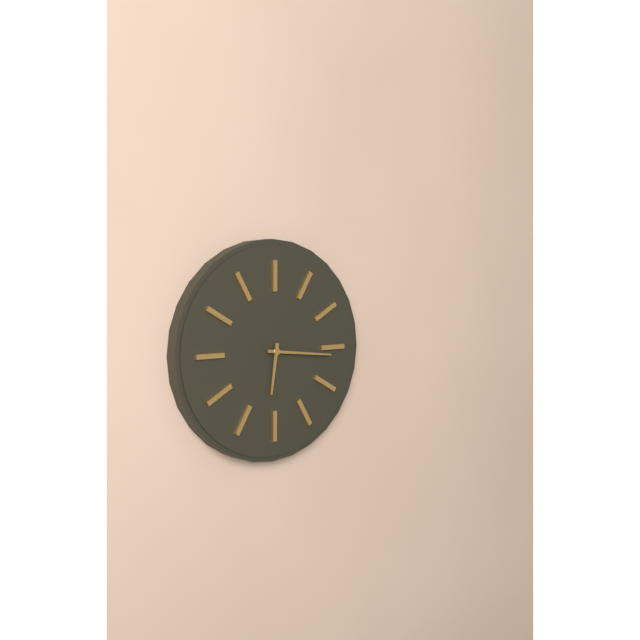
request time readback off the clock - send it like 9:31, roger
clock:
6:16
